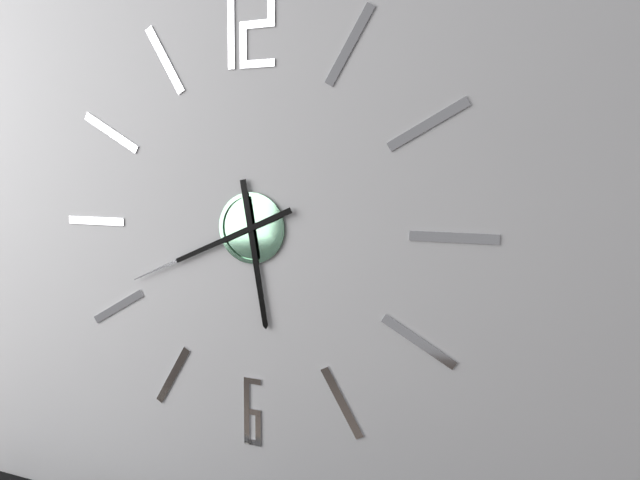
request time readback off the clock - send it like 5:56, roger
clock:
5:41
